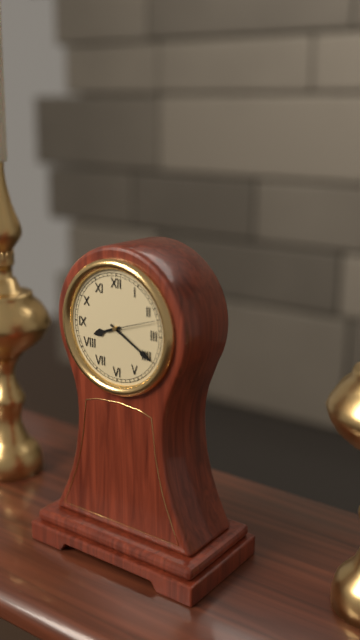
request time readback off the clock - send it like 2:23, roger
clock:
8:20
